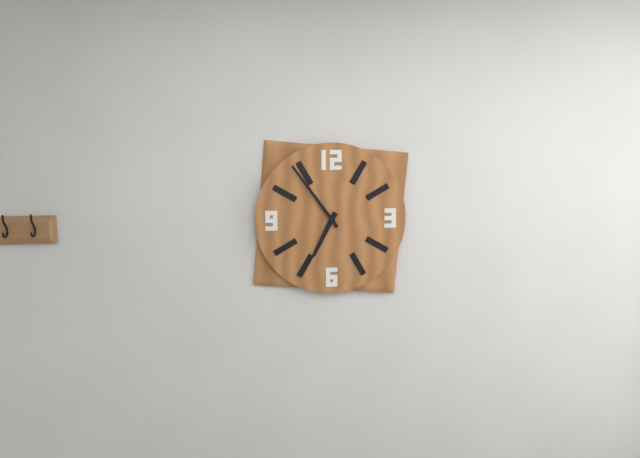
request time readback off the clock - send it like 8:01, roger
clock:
6:54
